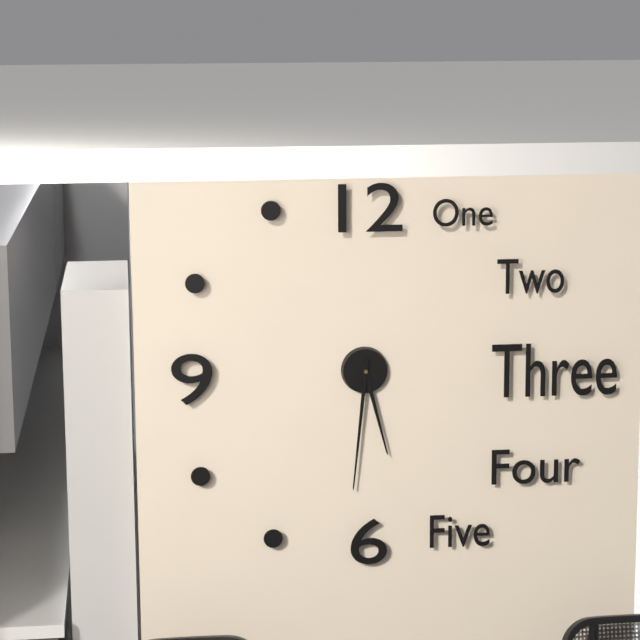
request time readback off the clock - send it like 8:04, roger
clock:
5:31
